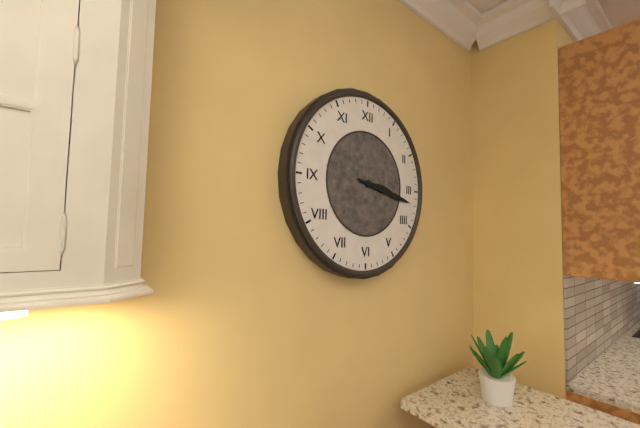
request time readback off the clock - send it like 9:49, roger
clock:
3:17
